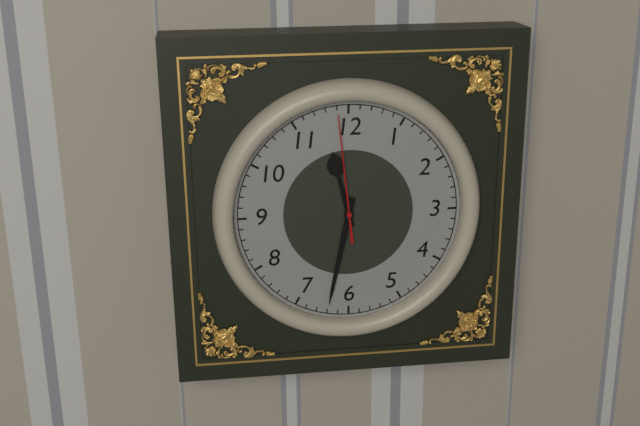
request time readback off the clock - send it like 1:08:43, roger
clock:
11:32:59
